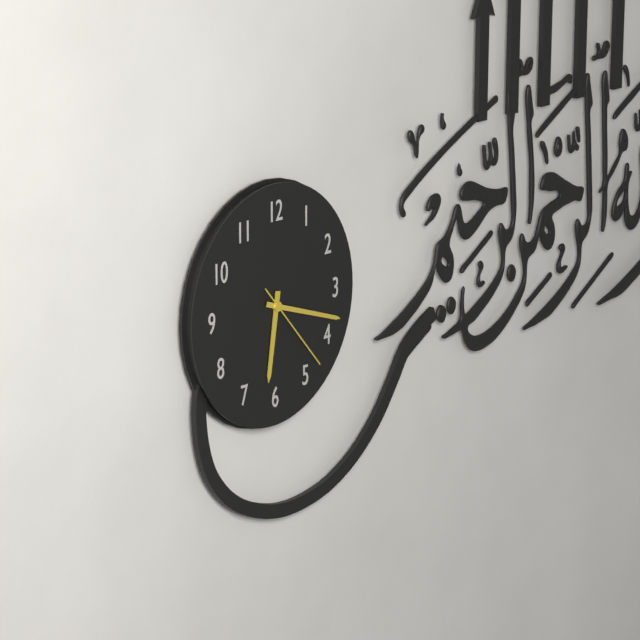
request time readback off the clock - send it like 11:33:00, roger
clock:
6:18:23
